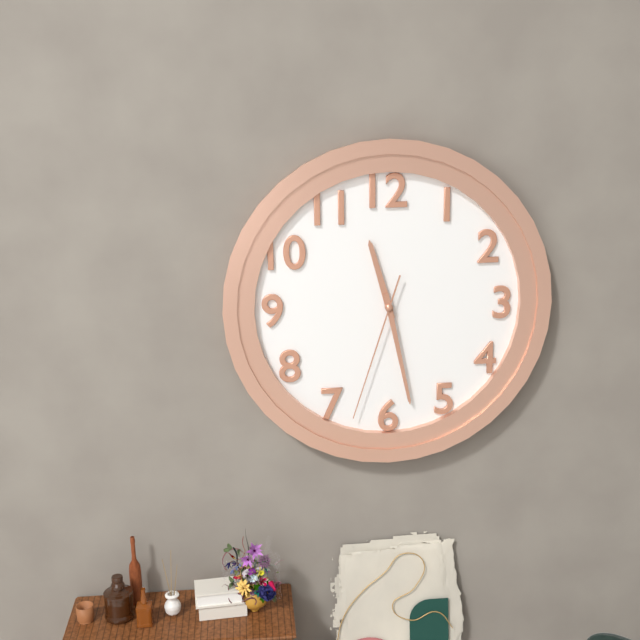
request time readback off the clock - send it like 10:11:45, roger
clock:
11:28:33
